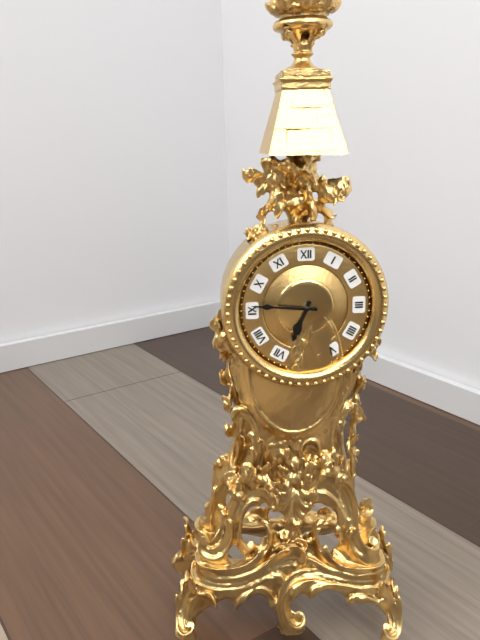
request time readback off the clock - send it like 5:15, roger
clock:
6:46
